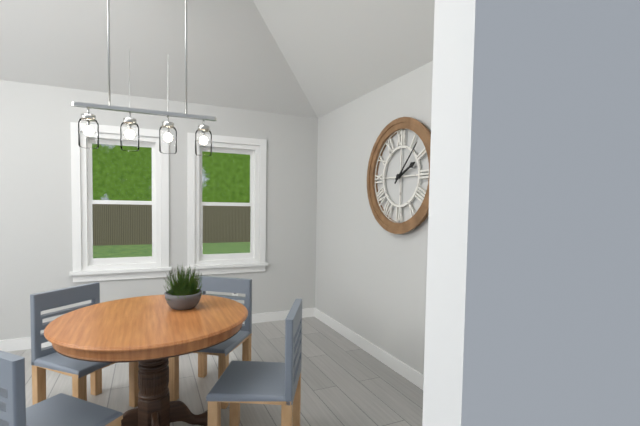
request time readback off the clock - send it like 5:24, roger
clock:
2:07
